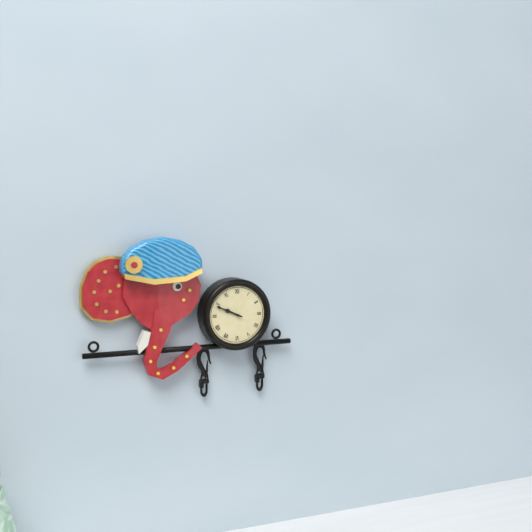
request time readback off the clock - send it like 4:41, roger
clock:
9:49
